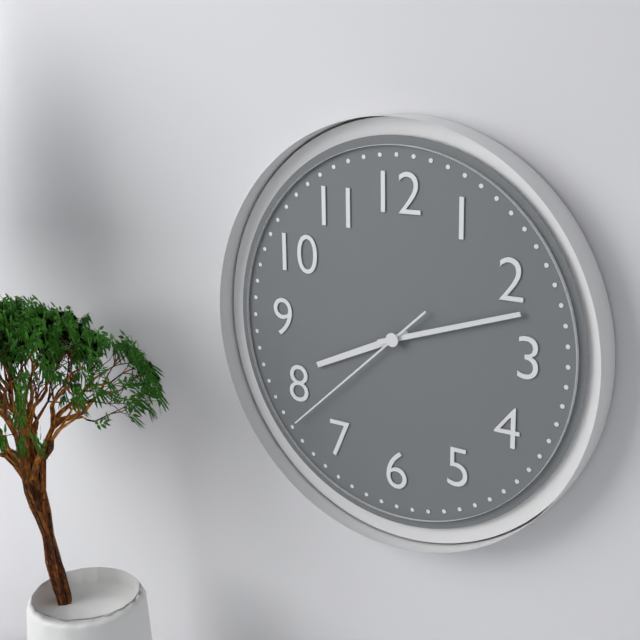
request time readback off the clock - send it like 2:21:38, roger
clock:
8:12:38
